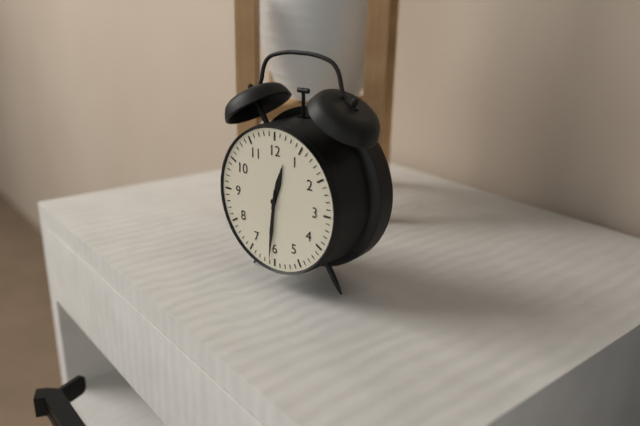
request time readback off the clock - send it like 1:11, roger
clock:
12:31
